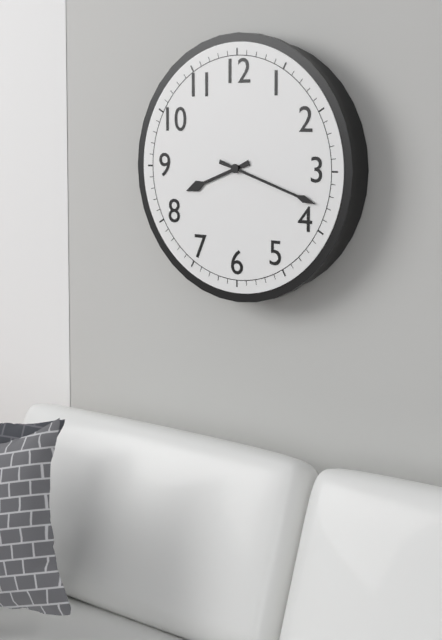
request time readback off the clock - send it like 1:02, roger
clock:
8:18
